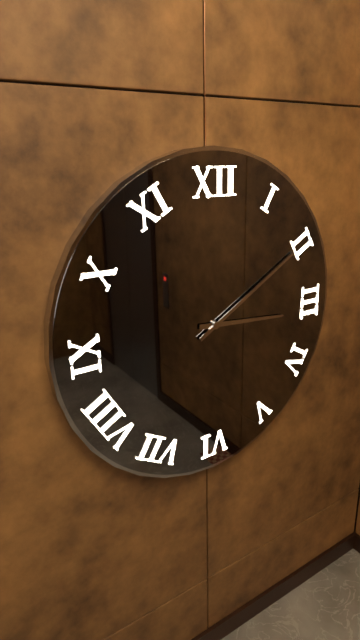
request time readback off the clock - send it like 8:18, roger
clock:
3:10
